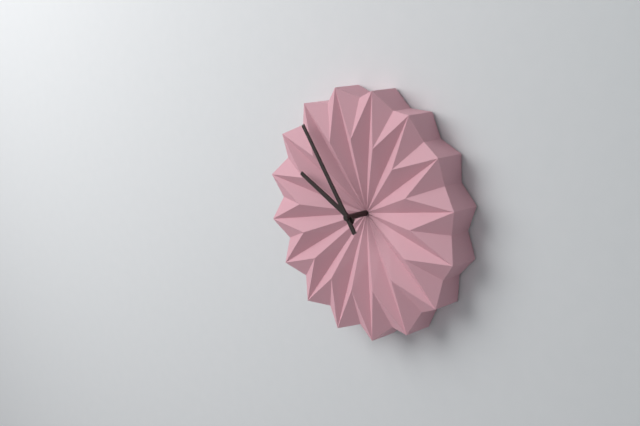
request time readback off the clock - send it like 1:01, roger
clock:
9:54
